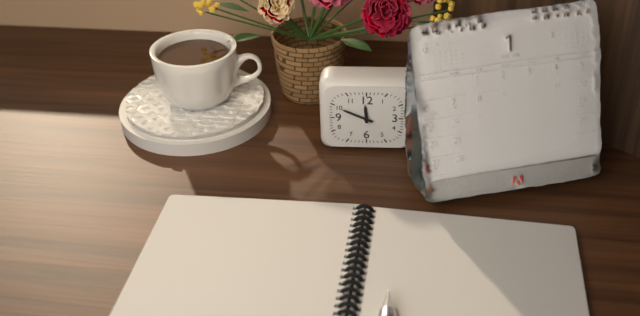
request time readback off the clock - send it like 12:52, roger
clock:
11:49
